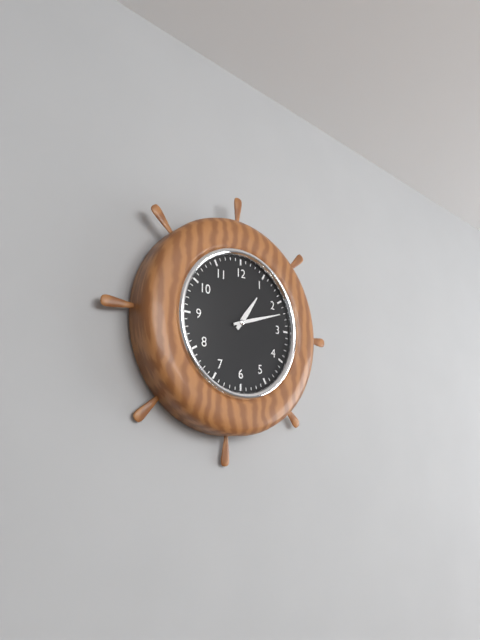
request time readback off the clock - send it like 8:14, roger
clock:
1:12
